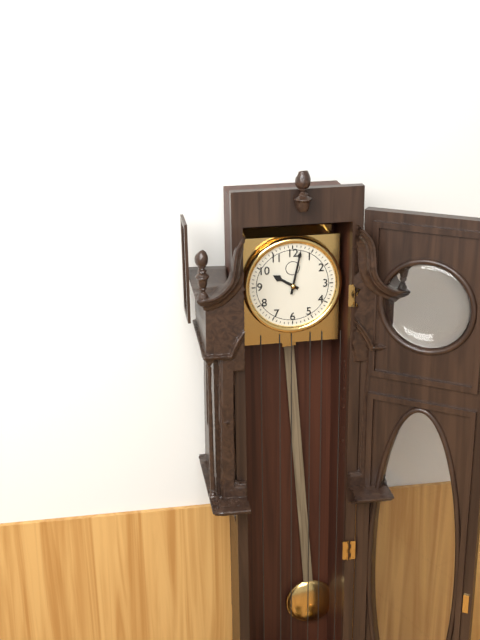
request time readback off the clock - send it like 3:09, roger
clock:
10:02
